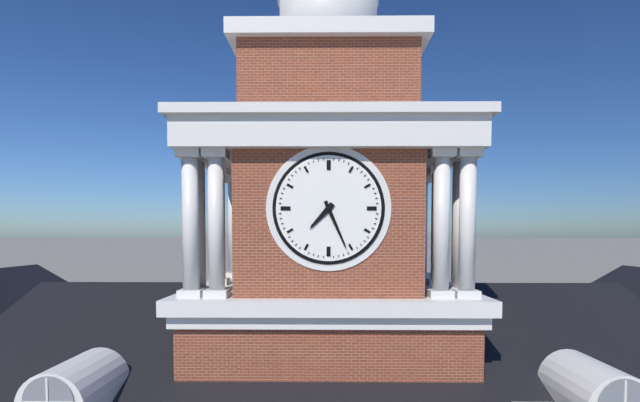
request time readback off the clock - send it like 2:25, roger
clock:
7:26
